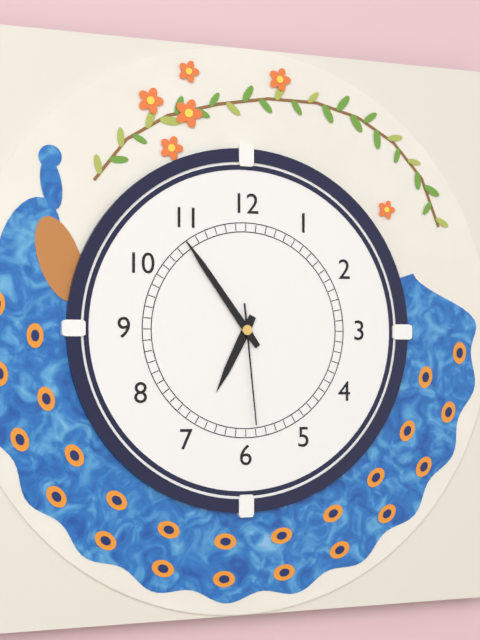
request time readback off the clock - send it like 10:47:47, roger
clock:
6:54:29
